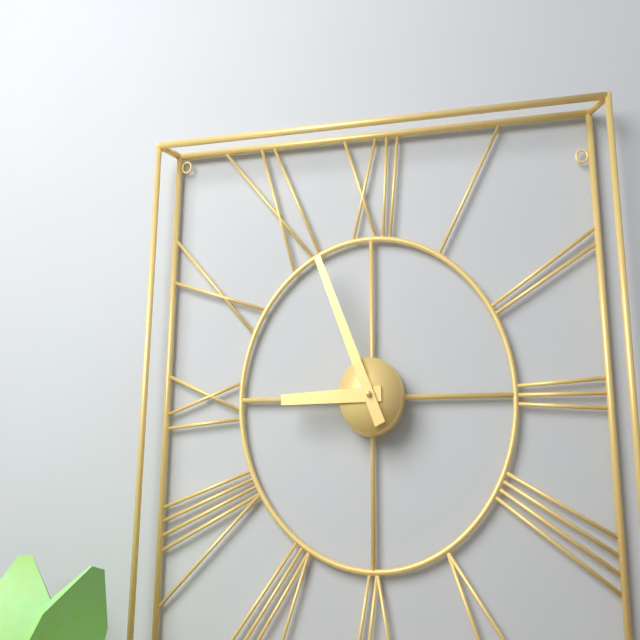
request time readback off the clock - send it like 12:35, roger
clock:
8:56
